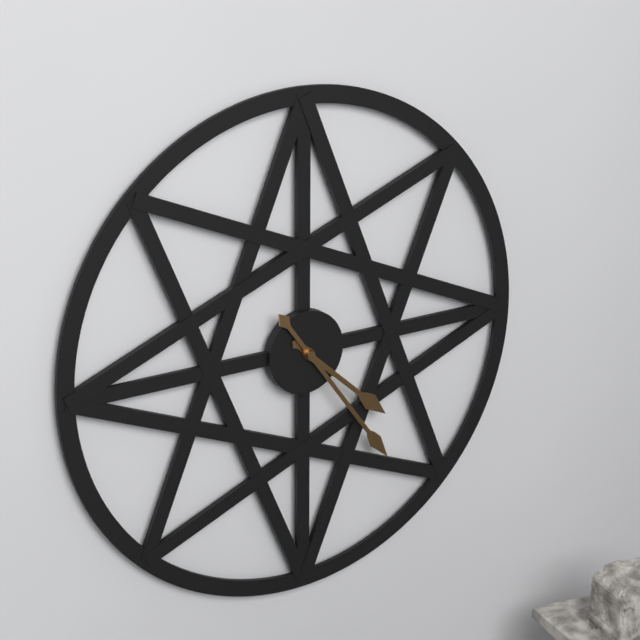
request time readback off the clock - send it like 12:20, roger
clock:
4:24
